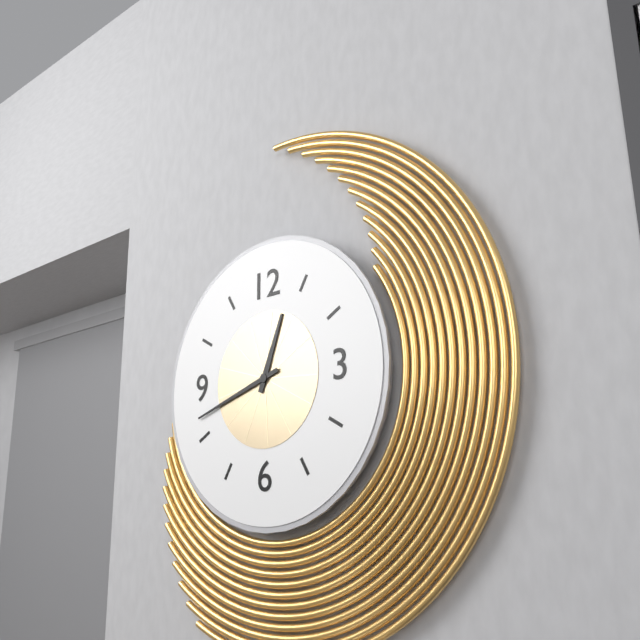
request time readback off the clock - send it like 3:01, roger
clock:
12:42
